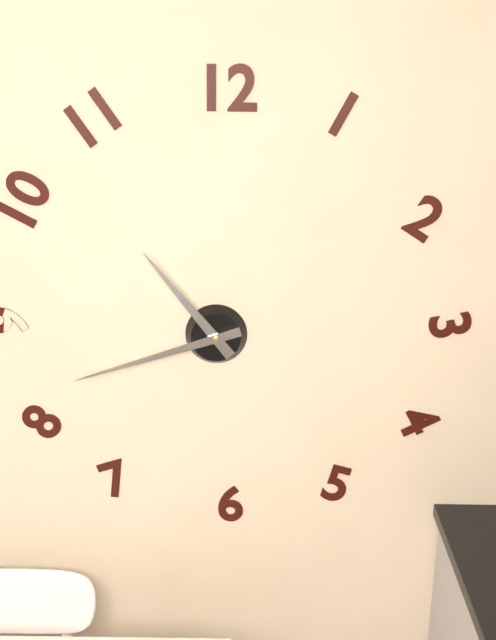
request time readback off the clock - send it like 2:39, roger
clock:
10:42
